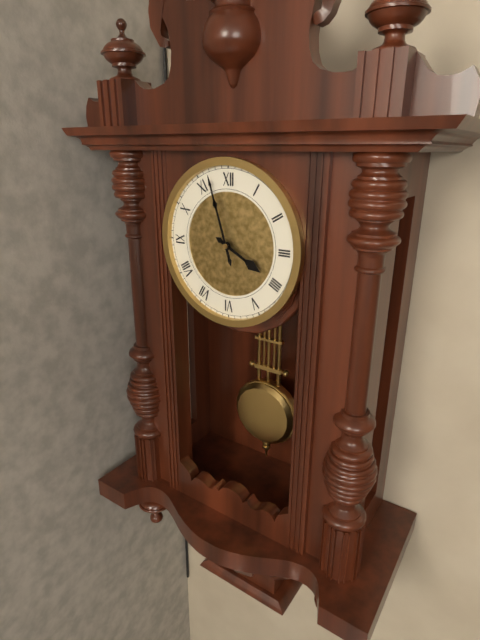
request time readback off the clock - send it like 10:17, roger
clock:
3:57
